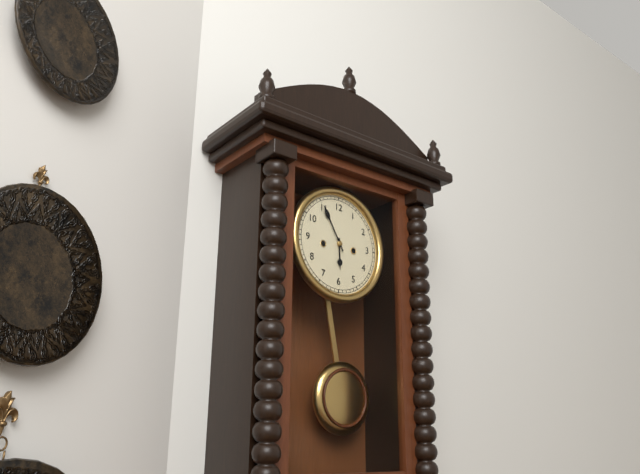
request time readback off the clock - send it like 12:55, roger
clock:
5:55
